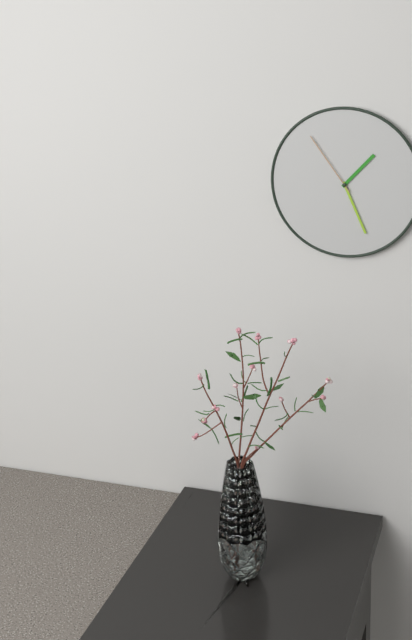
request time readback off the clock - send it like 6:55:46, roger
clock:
1:26:54
